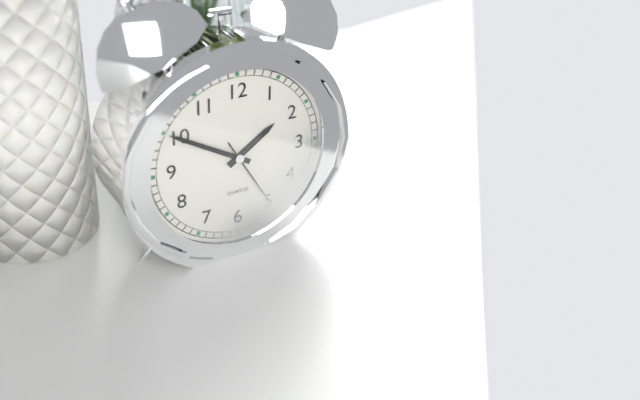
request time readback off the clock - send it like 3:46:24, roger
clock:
1:50:25
